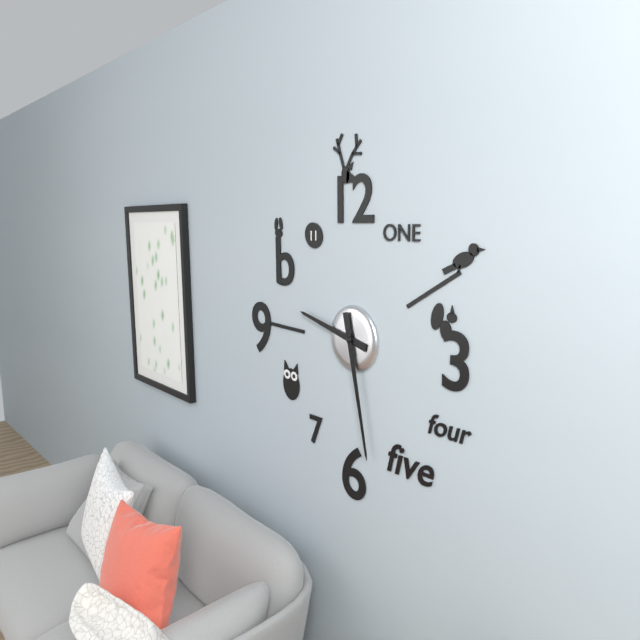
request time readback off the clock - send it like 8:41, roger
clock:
9:28
